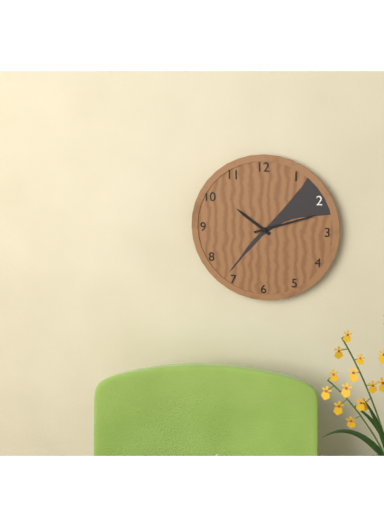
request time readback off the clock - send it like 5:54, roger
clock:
10:12
